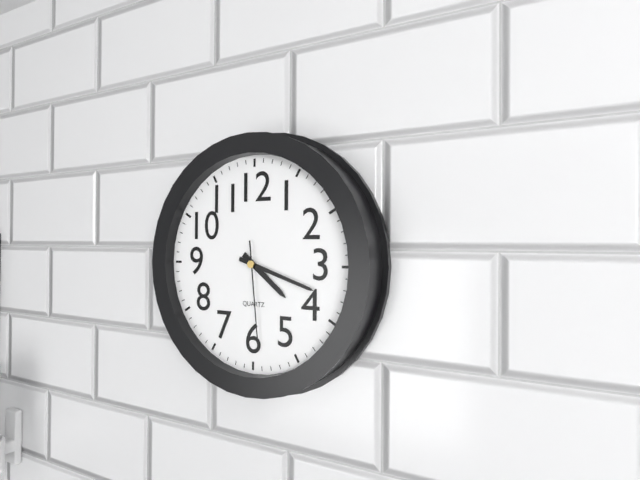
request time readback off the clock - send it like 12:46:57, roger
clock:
4:18:29
